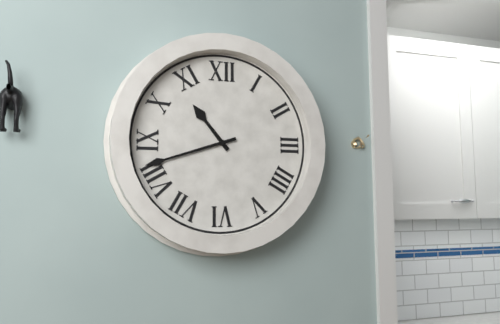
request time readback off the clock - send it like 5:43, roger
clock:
10:42
